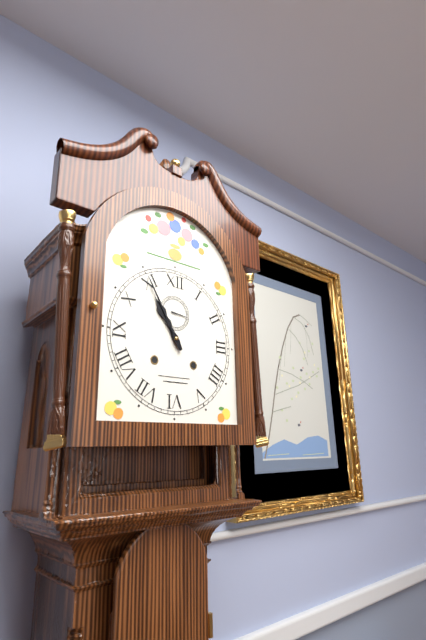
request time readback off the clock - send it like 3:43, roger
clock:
10:55
